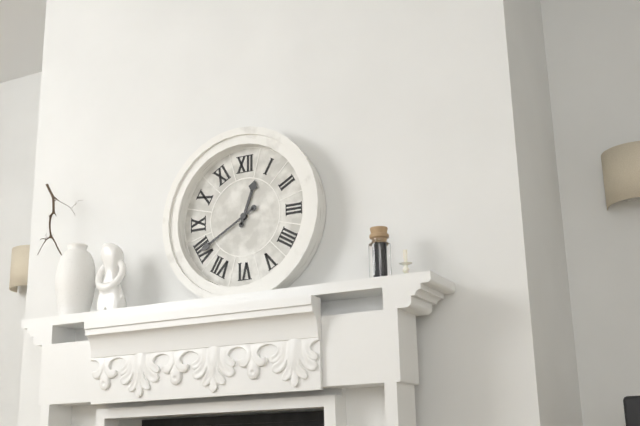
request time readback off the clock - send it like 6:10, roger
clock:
12:40
